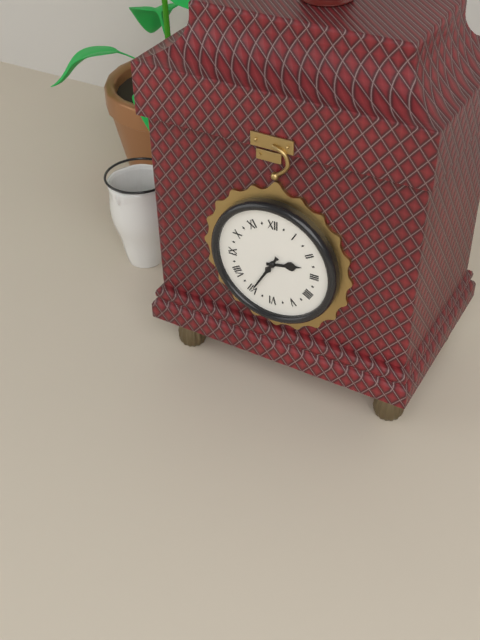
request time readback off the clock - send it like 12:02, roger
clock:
2:35
